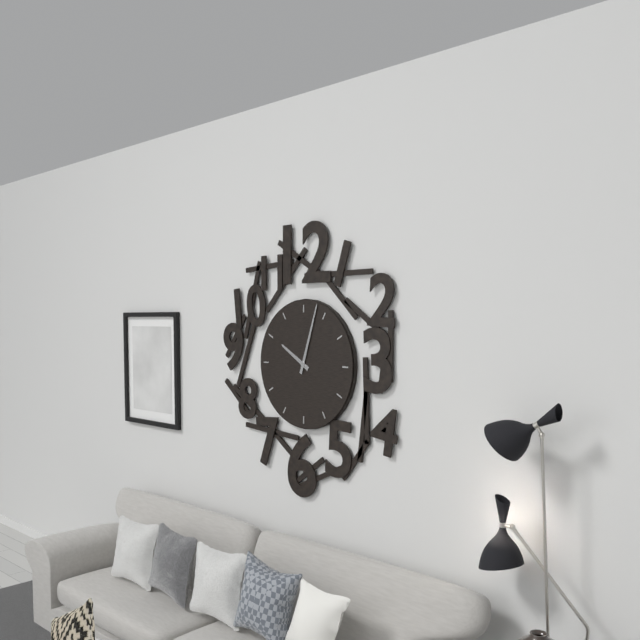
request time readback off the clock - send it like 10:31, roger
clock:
10:03
